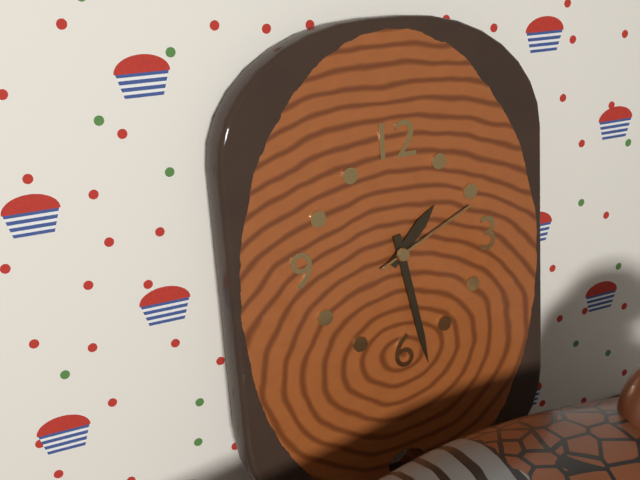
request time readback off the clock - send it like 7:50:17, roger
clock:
1:28:11
